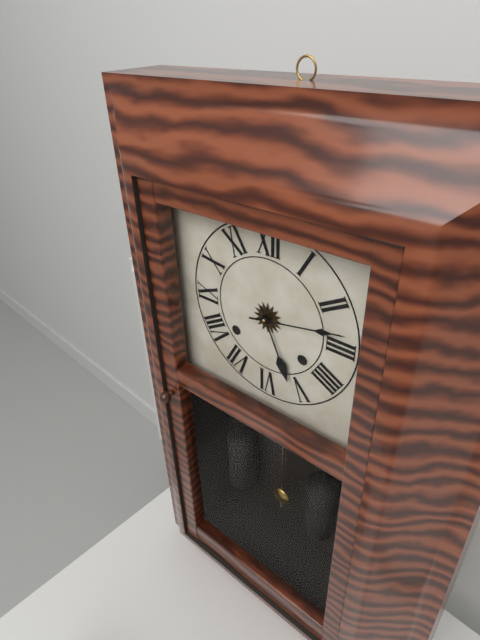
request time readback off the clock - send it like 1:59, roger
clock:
5:13
